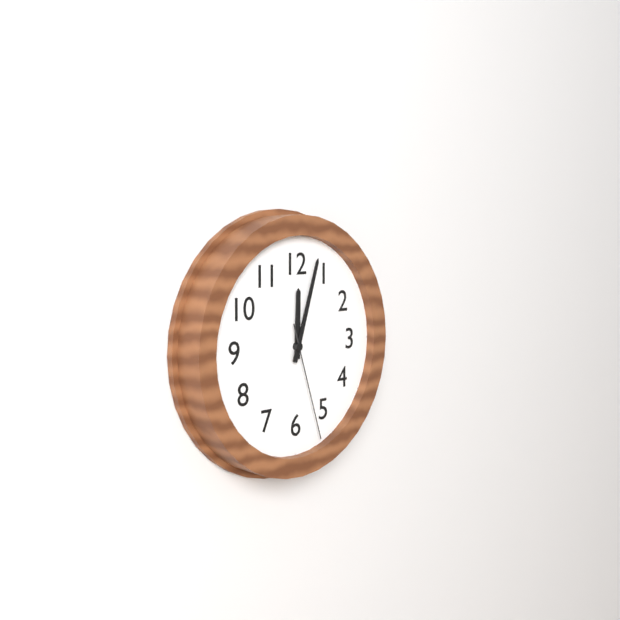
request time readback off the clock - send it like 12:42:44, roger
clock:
12:03:27
